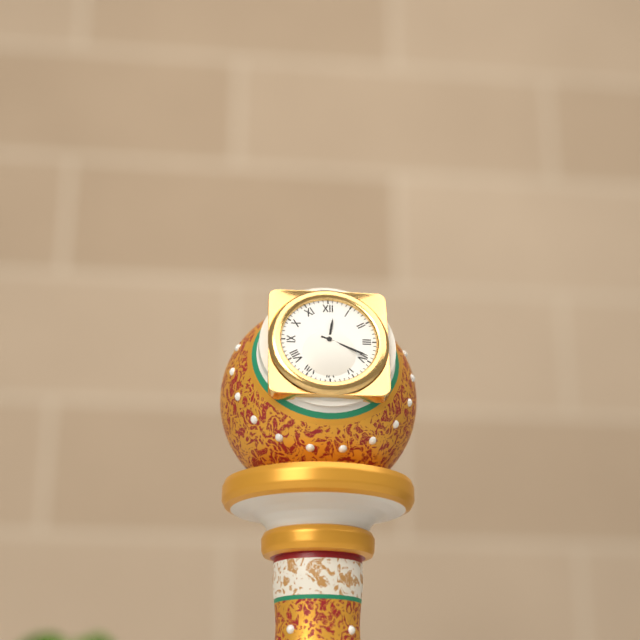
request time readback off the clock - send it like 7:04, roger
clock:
12:19
